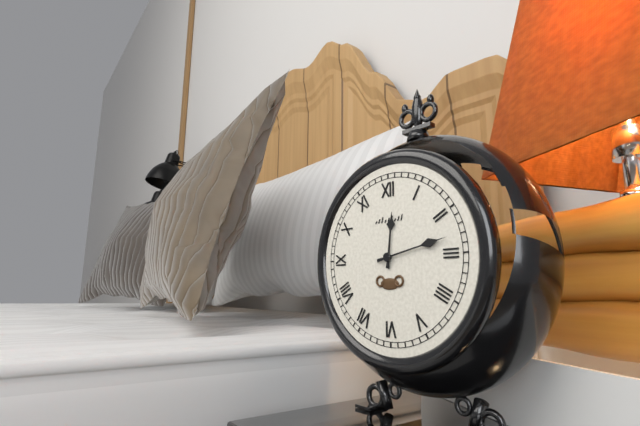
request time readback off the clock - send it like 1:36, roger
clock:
12:13
